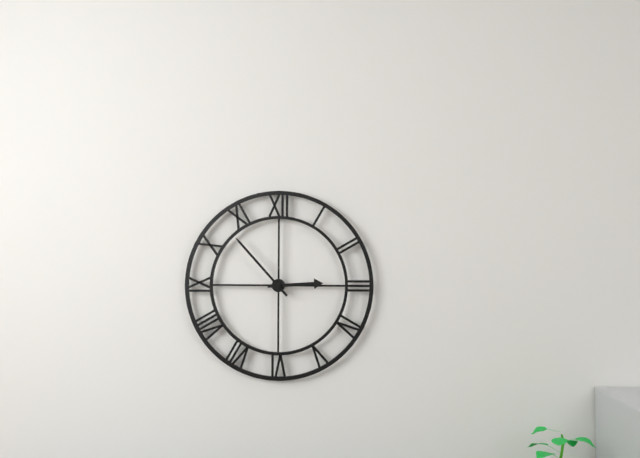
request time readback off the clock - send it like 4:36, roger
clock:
2:53
